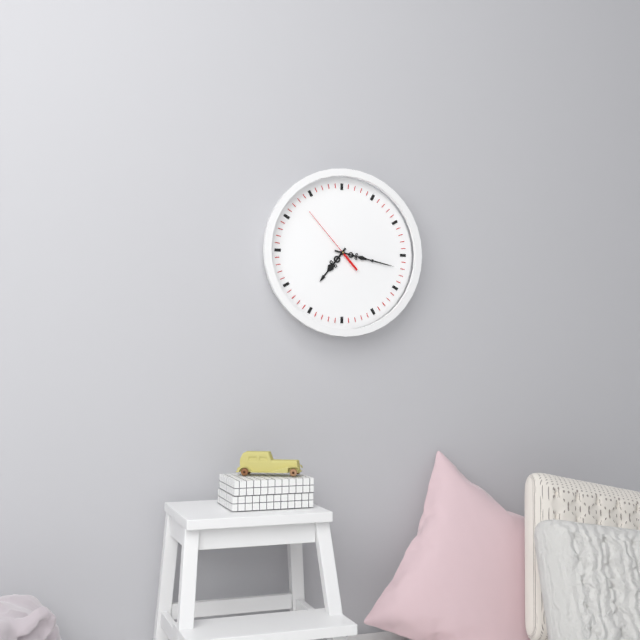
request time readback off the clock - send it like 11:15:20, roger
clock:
7:17:53
